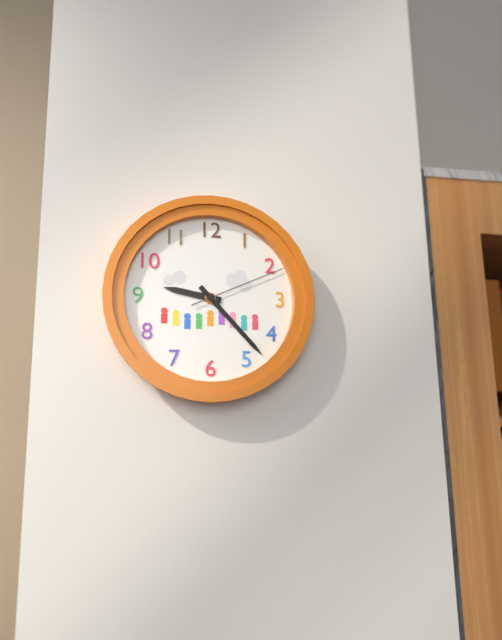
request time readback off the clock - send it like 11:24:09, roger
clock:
9:23:11
